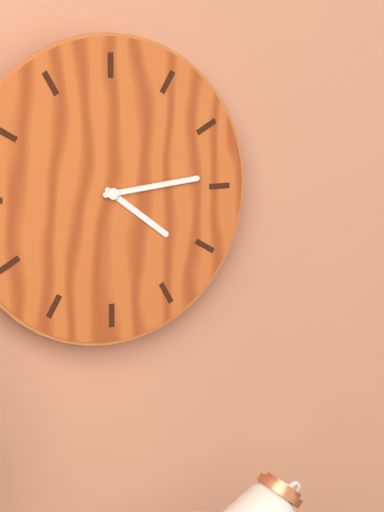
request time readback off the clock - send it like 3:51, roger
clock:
4:14
